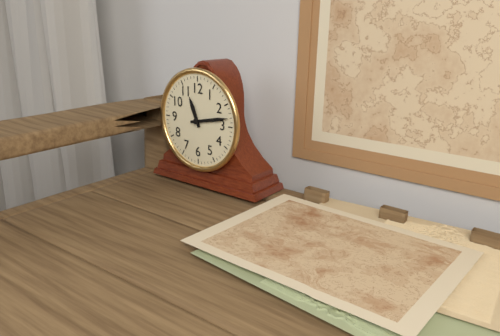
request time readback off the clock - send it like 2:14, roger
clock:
11:13
